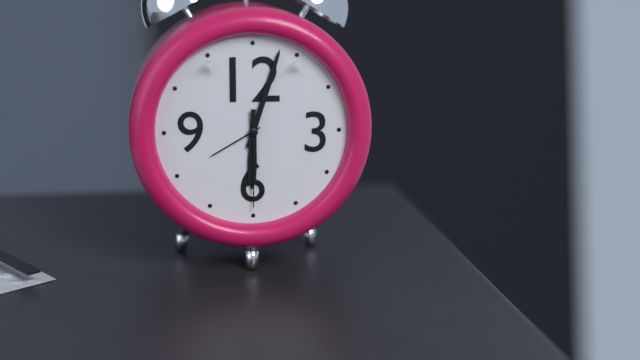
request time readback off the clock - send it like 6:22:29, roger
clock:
6:03:30
